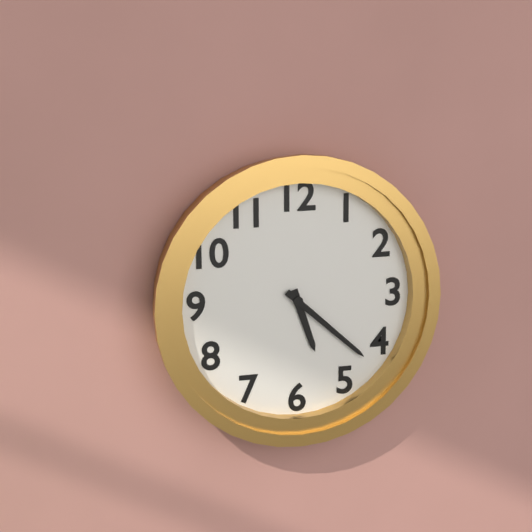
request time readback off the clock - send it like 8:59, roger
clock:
5:22
